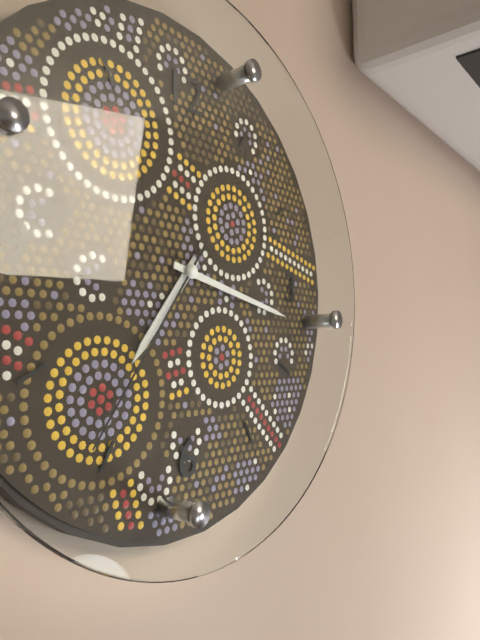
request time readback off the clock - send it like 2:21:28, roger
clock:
7:17:36
